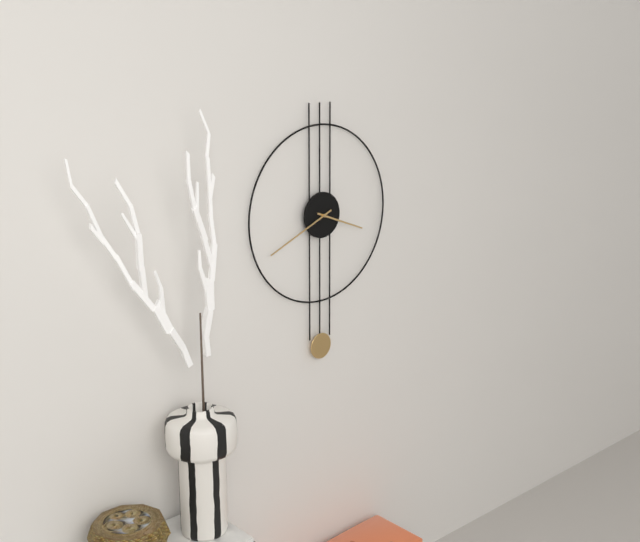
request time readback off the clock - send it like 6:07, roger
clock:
3:41
